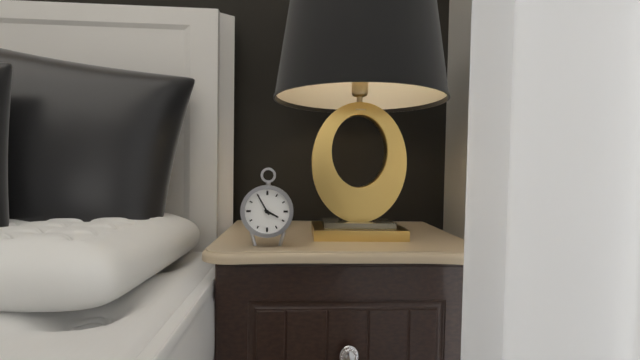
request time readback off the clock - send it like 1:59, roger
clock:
3:55
